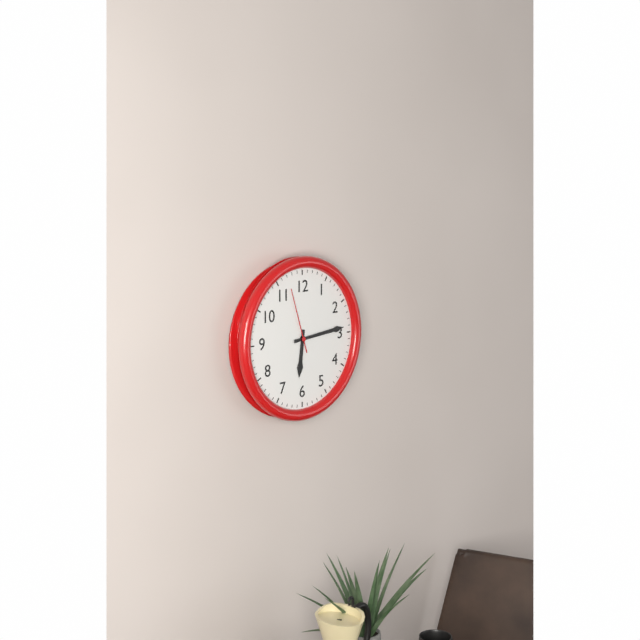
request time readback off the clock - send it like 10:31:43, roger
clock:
6:14:57
